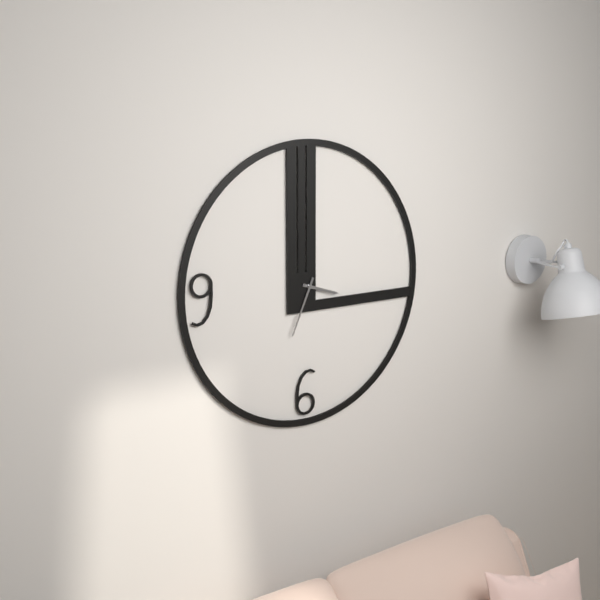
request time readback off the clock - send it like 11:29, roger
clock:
3:34
